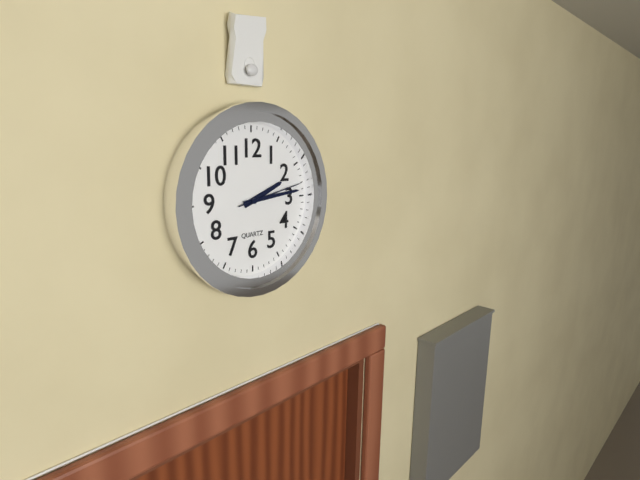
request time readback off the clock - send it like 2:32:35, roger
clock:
2:14:13
